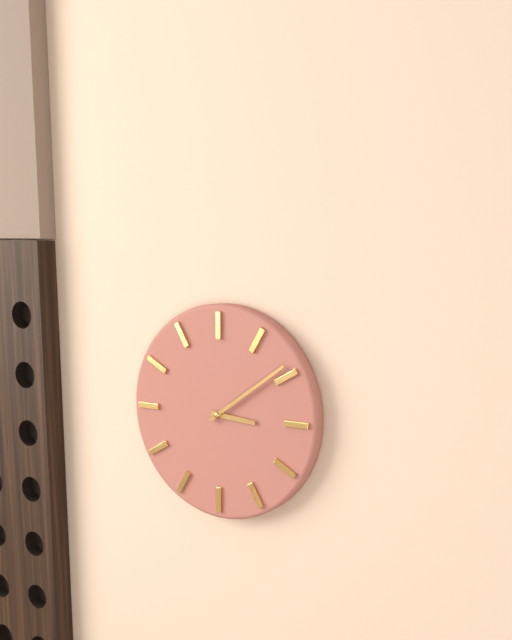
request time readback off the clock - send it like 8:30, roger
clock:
3:09
